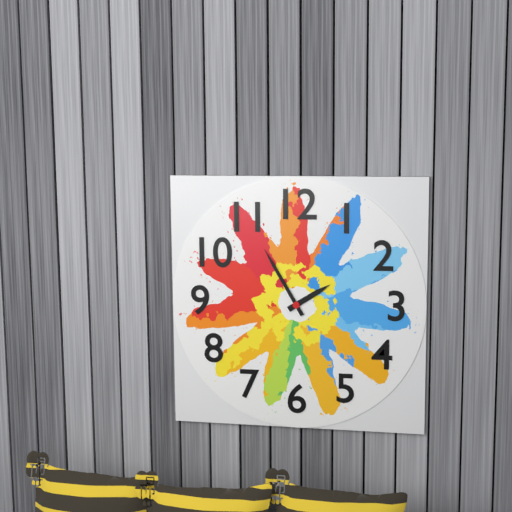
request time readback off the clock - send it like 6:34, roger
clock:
1:55
